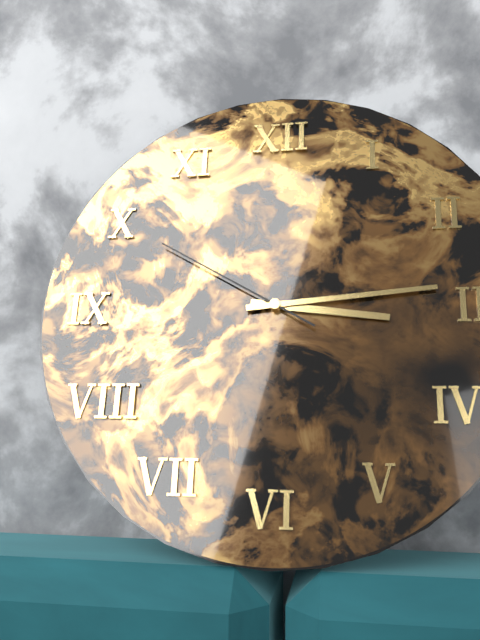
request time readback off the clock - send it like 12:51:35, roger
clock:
3:14:50
